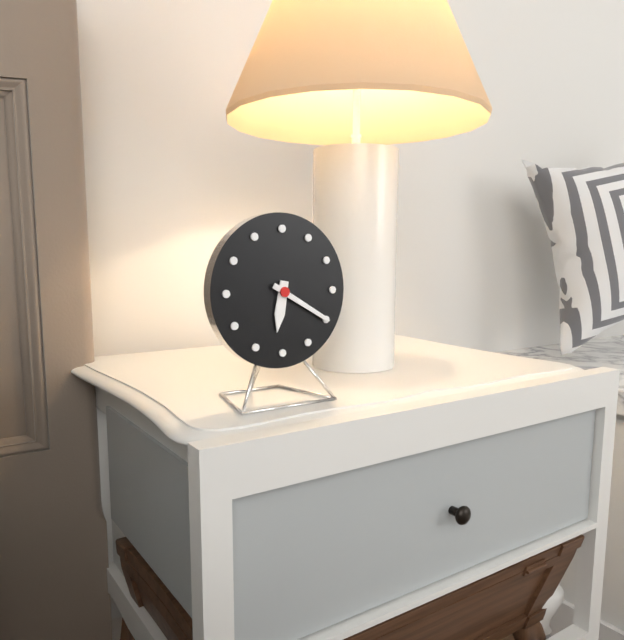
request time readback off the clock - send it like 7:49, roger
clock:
6:20
